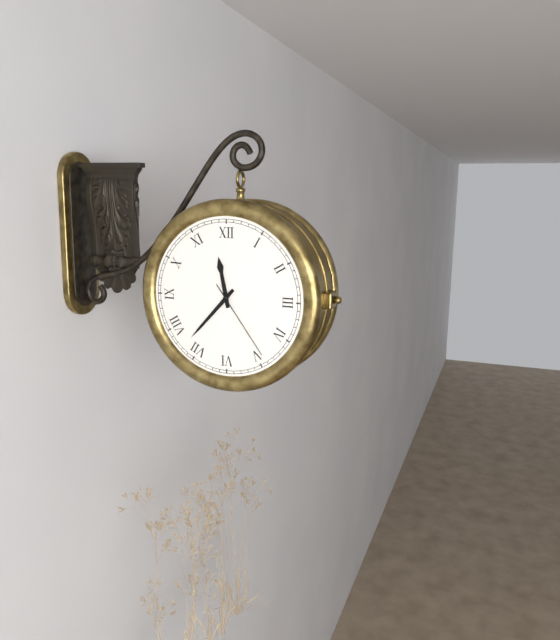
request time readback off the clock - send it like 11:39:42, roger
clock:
11:37:24
